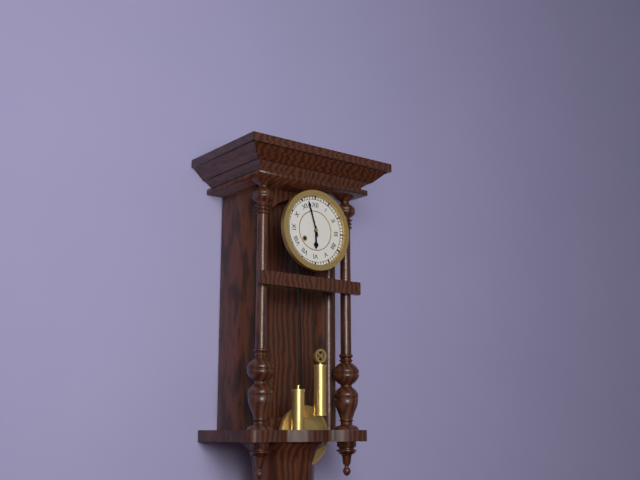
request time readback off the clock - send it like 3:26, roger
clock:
5:57
